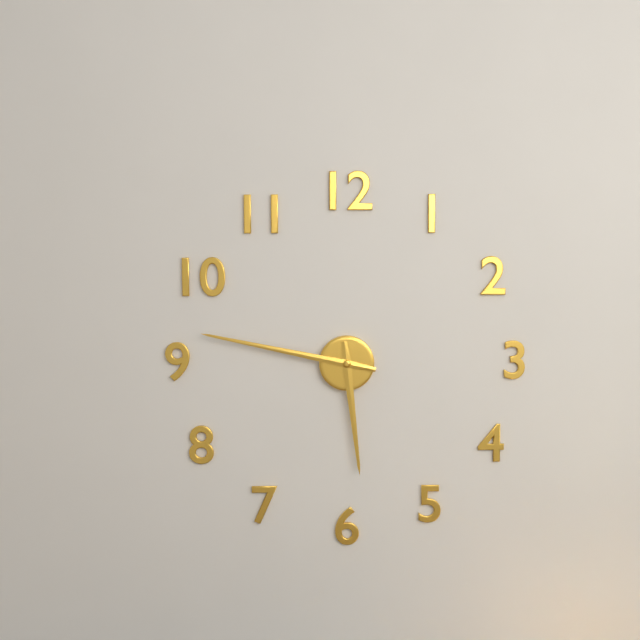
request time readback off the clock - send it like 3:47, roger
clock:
5:47
